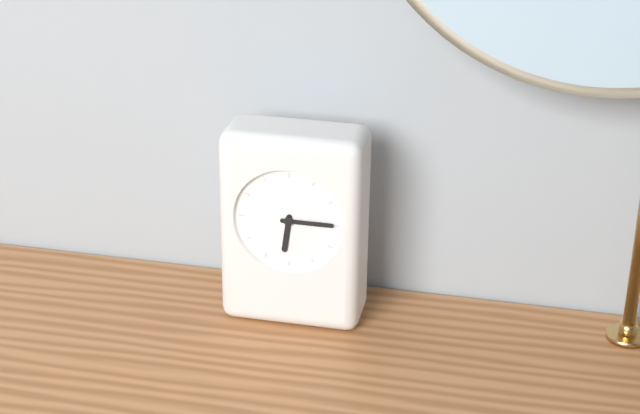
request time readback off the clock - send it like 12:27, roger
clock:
6:15
